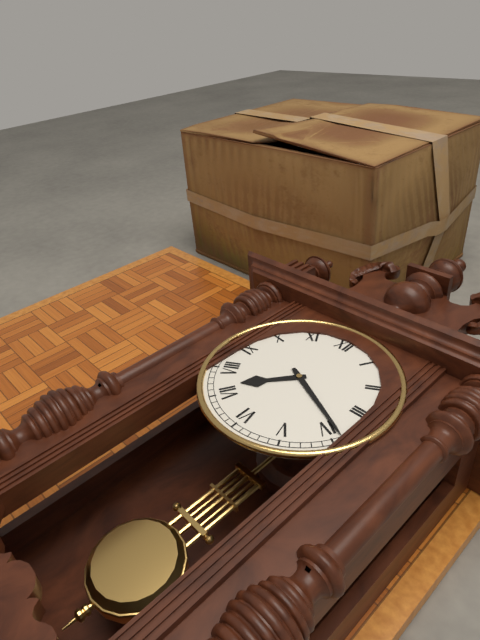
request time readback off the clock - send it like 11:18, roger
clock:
7:19
